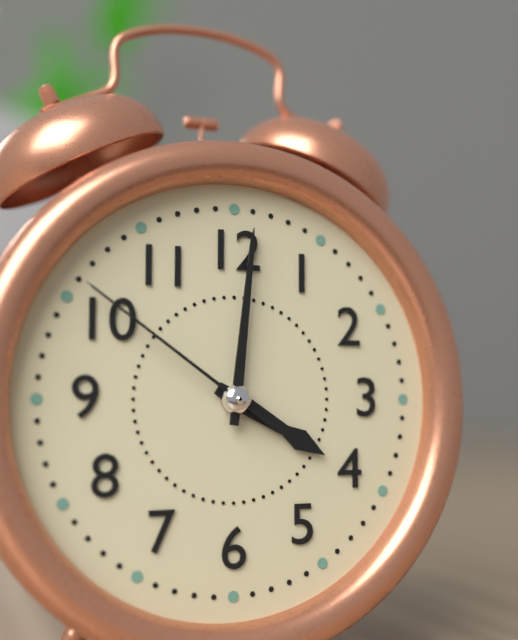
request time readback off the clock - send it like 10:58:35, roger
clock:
4:01:51
